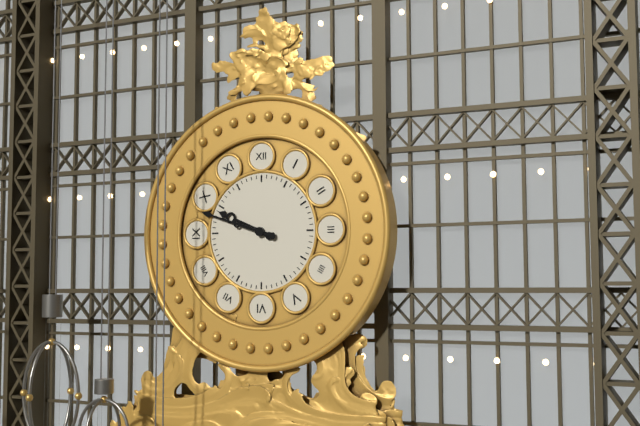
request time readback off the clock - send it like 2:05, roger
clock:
9:48
